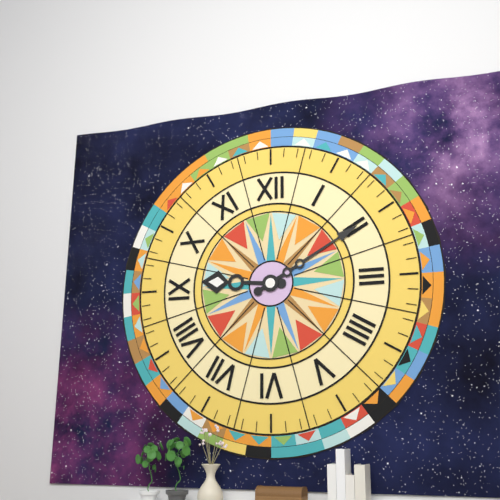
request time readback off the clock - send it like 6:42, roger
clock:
9:10
